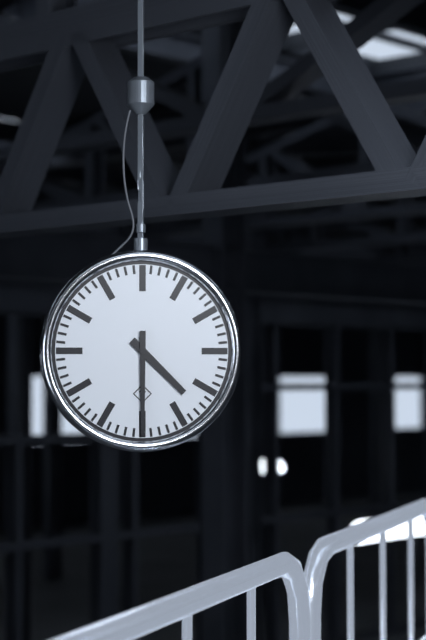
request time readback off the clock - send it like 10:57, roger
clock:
4:30
